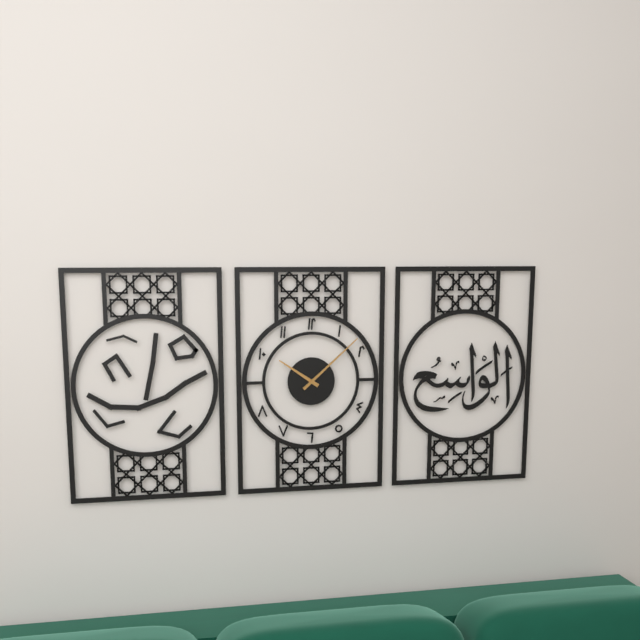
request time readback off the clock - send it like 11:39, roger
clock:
10:08
